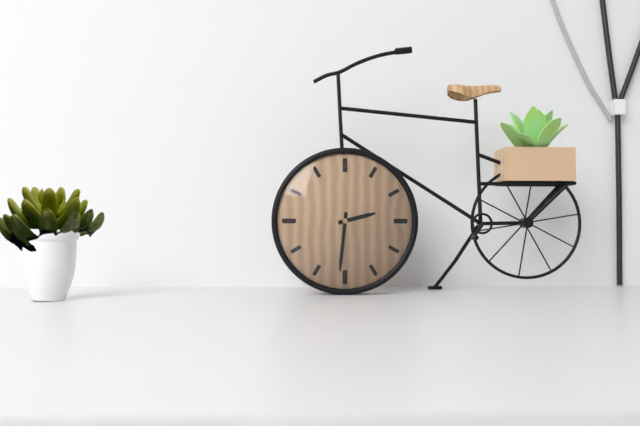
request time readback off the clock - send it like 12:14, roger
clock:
2:31
